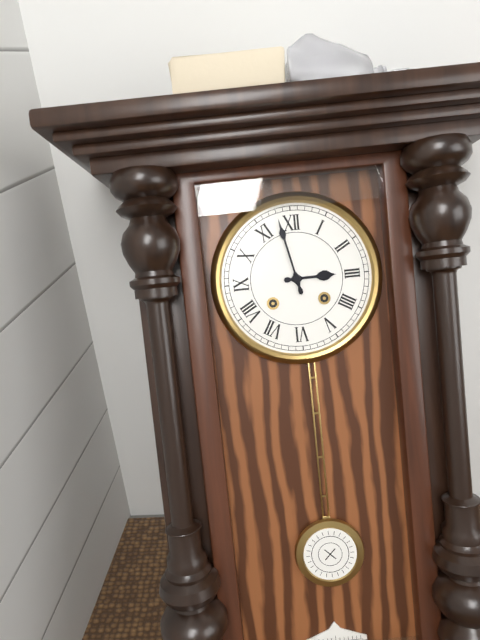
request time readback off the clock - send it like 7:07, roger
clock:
2:58
